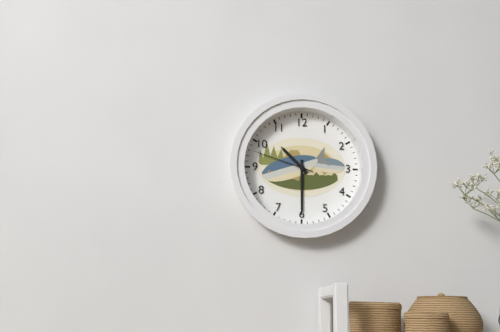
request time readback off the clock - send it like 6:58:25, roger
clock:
10:30:48
